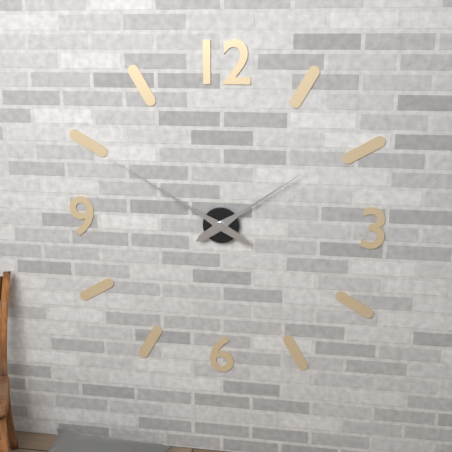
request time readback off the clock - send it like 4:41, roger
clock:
1:50
